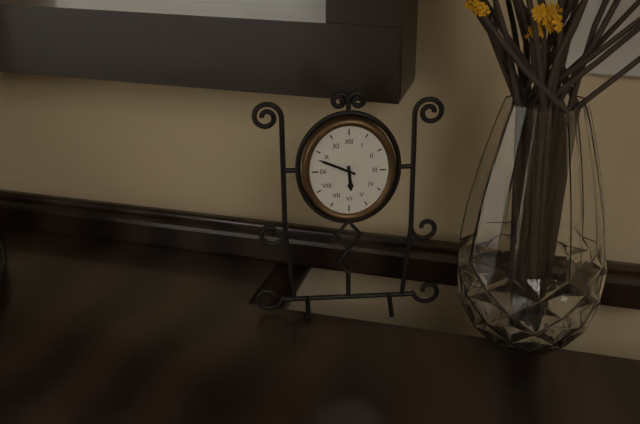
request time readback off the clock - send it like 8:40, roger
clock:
5:49
